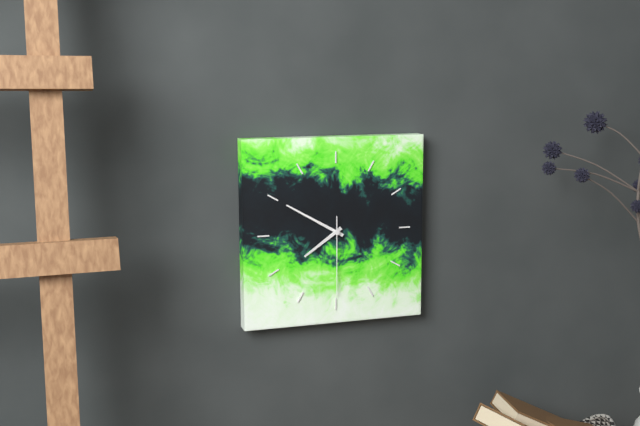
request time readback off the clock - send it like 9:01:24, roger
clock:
7:50:30
